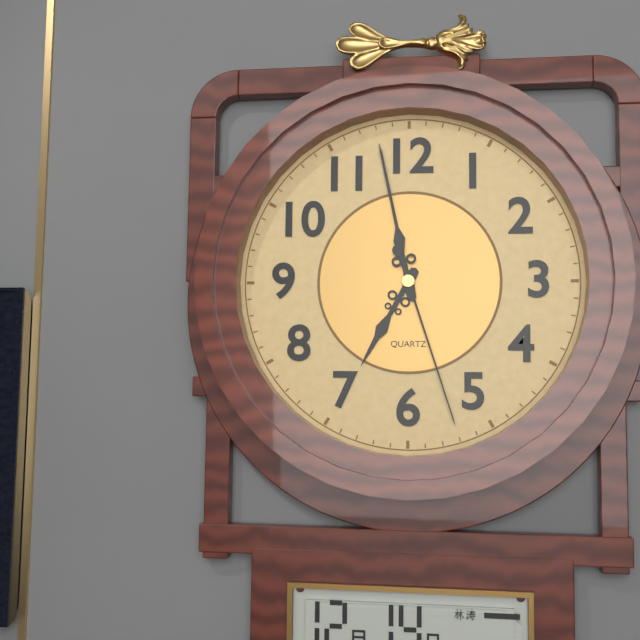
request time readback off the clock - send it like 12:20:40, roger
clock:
6:58:27
